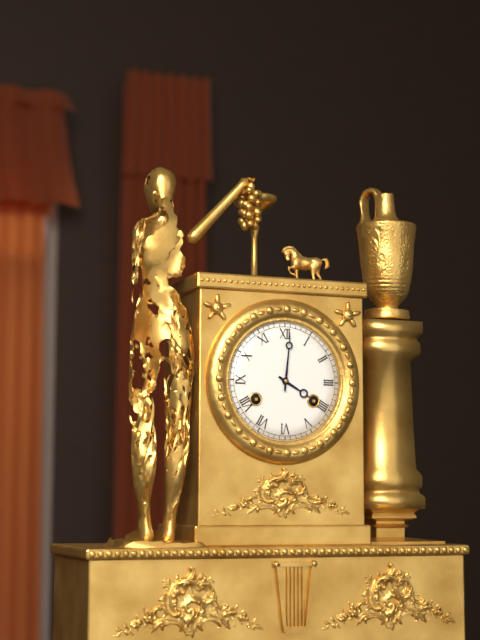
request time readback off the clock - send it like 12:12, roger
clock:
4:01
